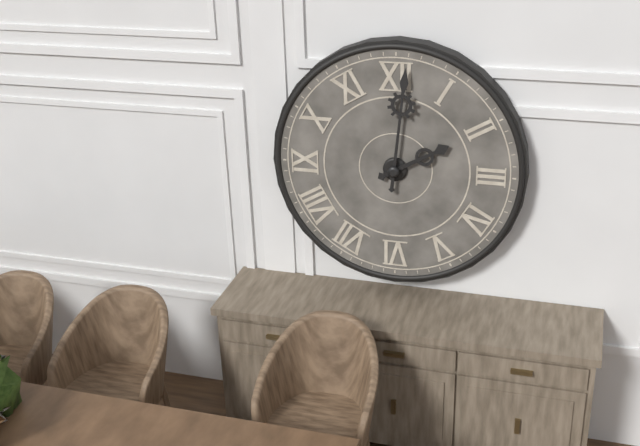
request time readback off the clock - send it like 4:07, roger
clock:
2:01
